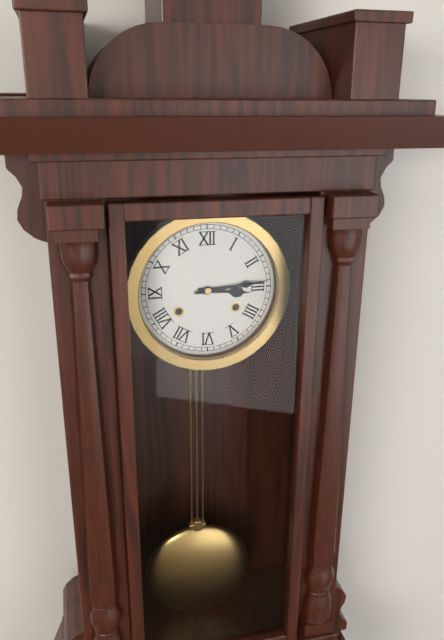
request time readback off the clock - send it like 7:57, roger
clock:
3:14
